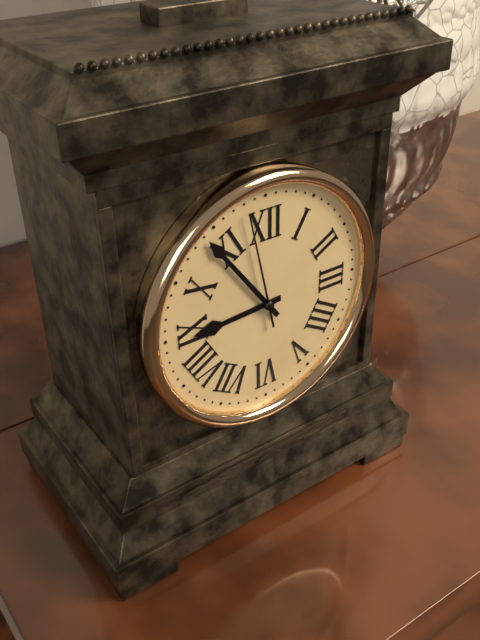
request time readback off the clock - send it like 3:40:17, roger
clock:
8:54:58
